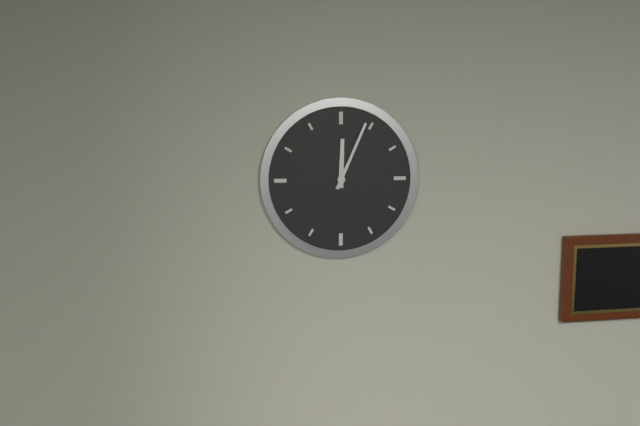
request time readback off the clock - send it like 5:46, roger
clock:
12:04
